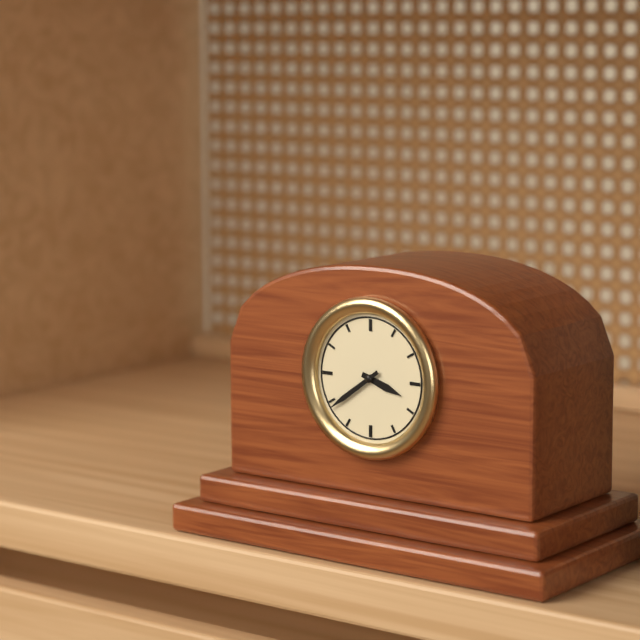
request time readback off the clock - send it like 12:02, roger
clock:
3:39
